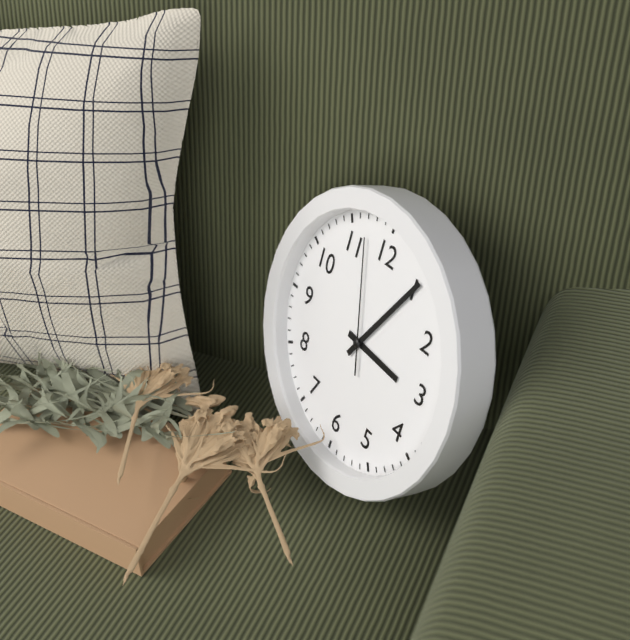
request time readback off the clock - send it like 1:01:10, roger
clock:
3:05:57
